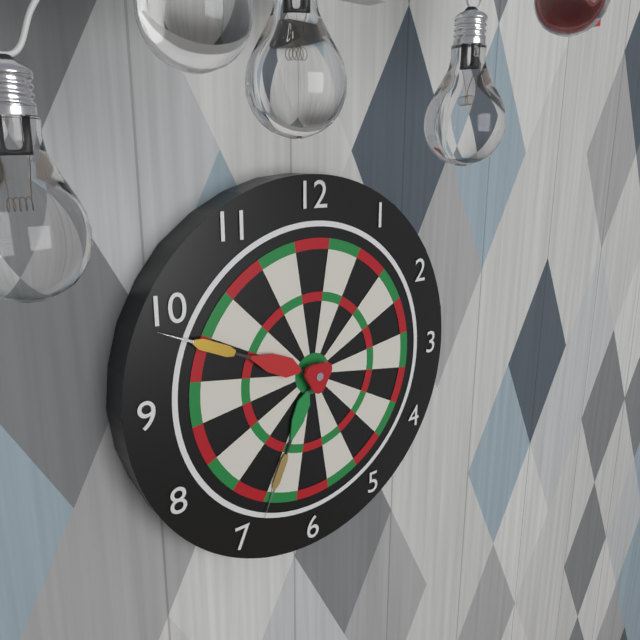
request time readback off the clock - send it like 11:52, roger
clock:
6:49
